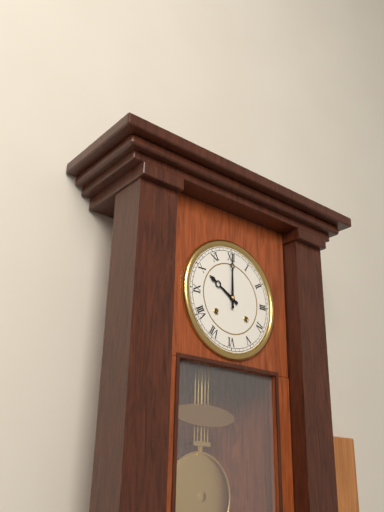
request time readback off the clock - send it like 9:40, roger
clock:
10:00
